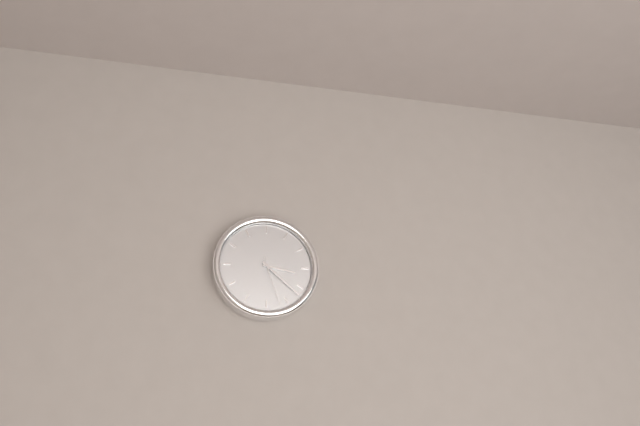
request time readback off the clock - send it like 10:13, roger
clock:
3:22
